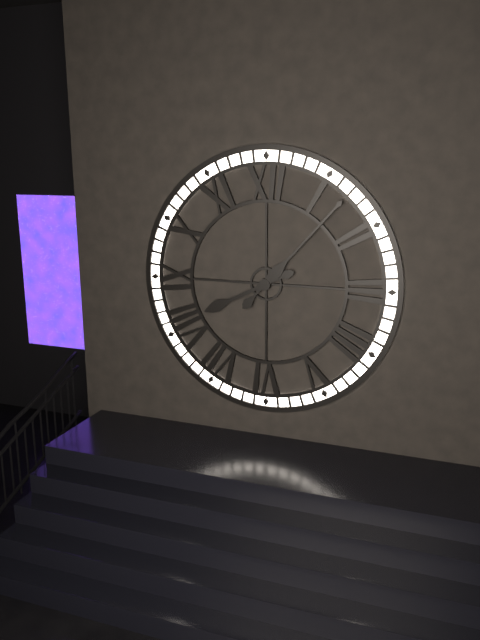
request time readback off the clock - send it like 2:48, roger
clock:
8:07
